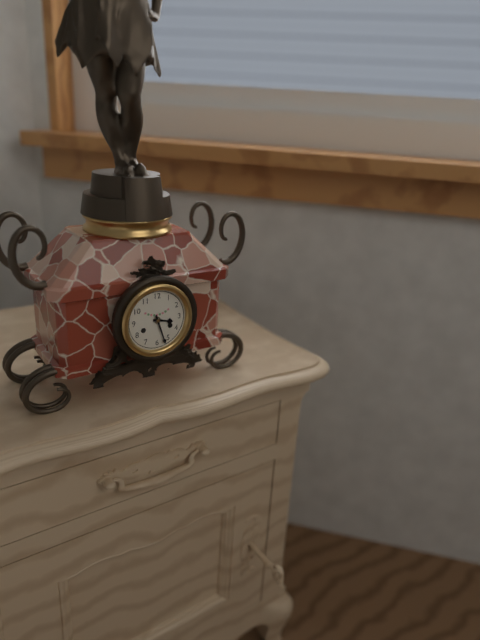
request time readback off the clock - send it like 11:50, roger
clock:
3:27
